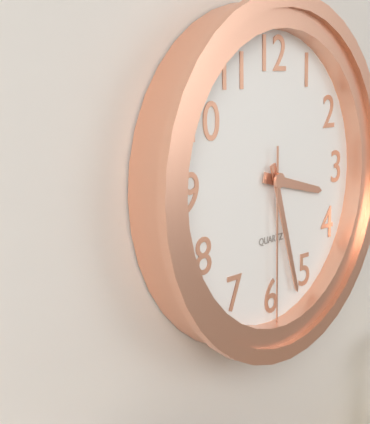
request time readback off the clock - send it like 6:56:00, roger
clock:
3:27:30
